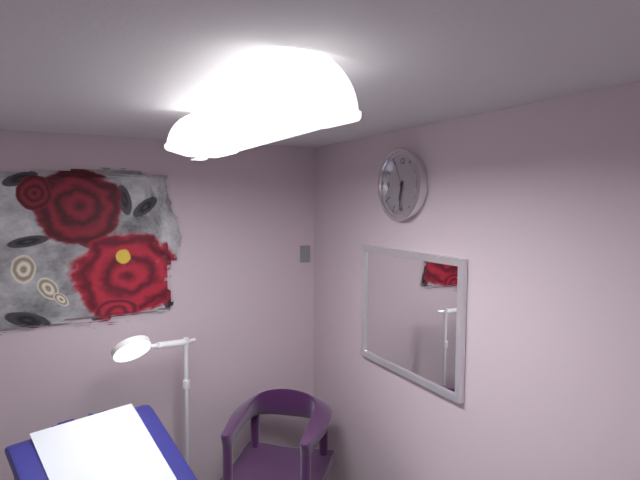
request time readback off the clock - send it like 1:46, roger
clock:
6:31
